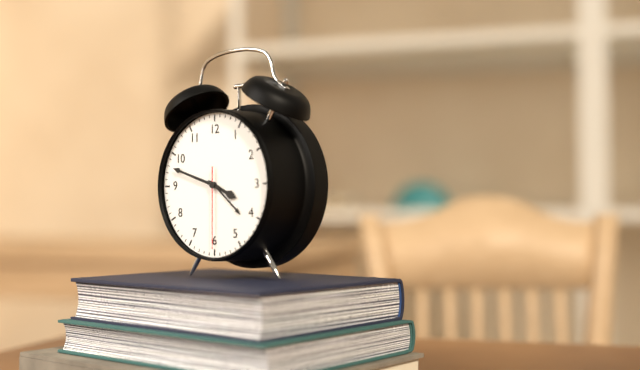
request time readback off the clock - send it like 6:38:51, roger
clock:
3:48:30
